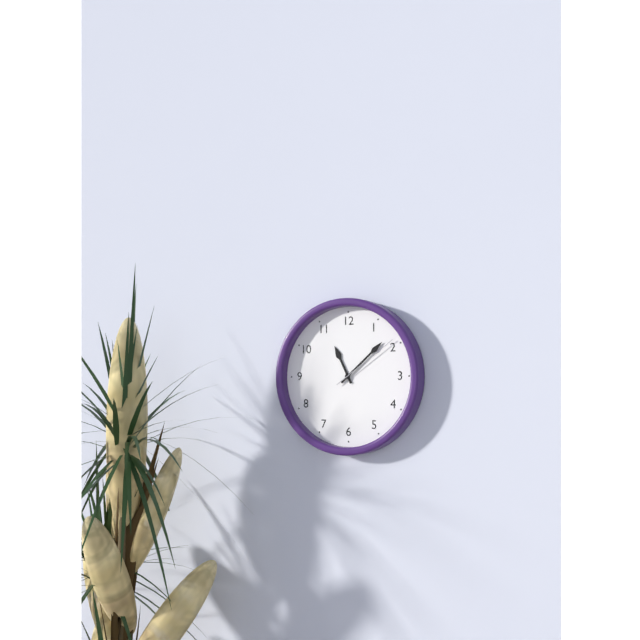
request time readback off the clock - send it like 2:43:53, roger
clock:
11:08:09
